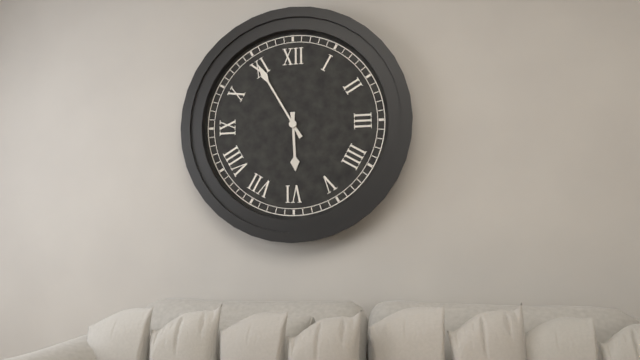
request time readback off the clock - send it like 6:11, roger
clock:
5:55
